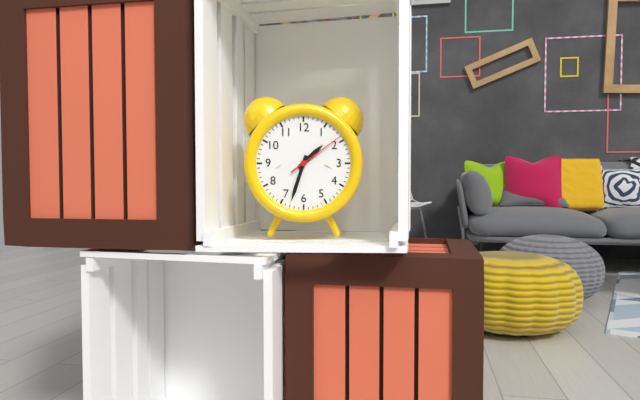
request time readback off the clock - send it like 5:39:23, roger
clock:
1:33:09
